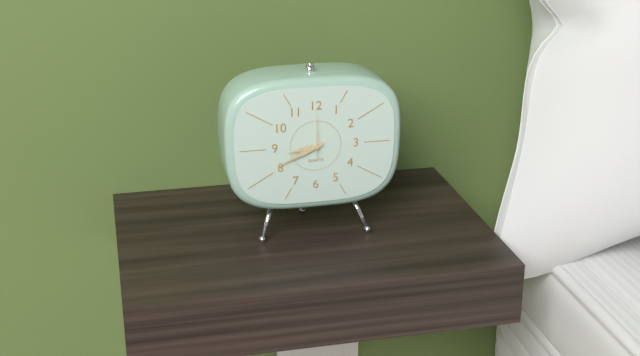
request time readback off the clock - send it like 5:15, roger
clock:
8:41
